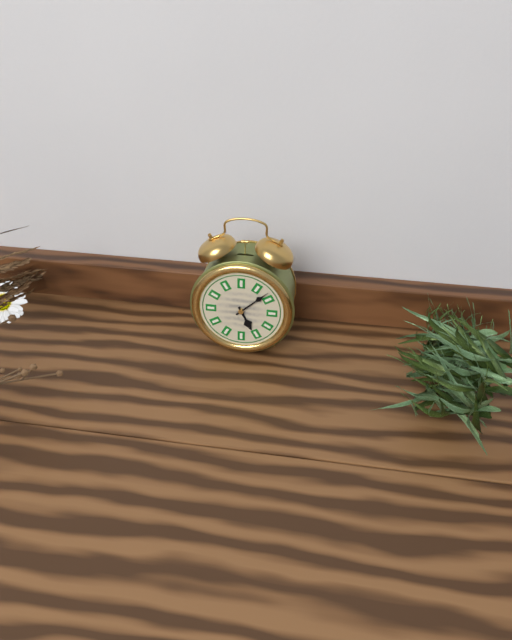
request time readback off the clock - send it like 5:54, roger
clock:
5:08
